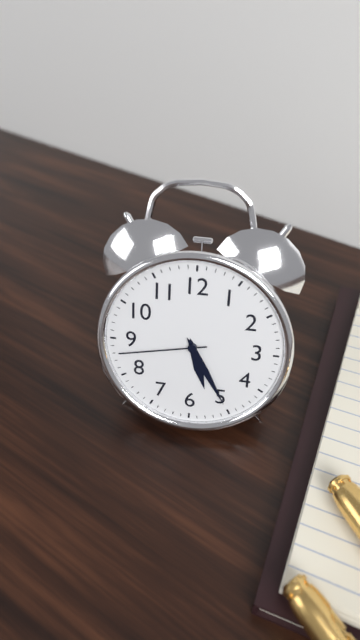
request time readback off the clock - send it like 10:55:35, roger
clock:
5:25:43
